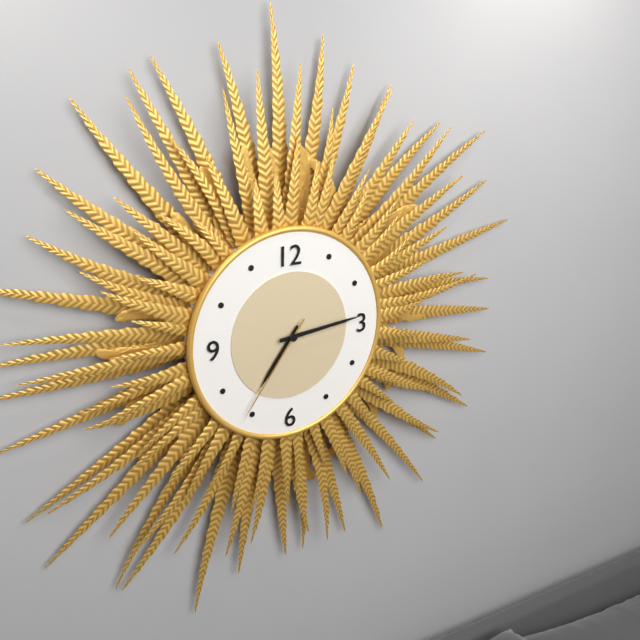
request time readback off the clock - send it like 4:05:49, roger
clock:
7:14:36
